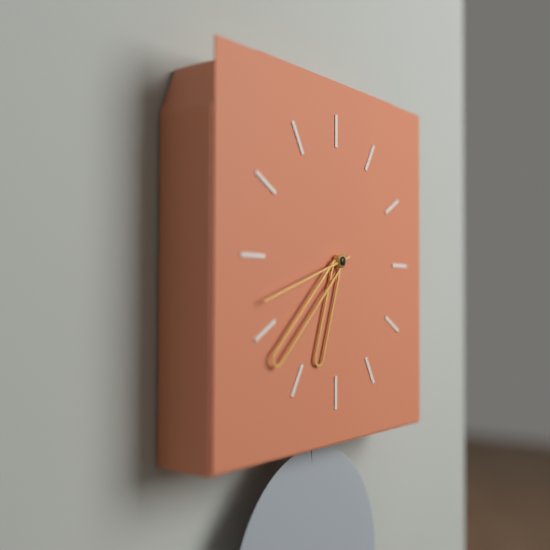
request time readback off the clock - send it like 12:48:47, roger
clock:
6:38:42
